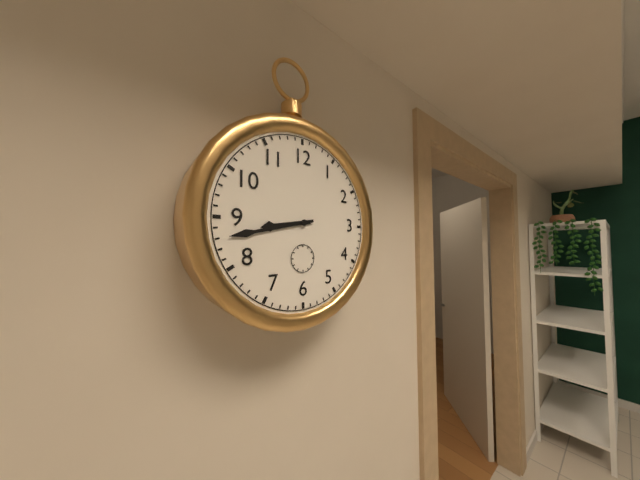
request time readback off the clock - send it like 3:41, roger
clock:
8:43
